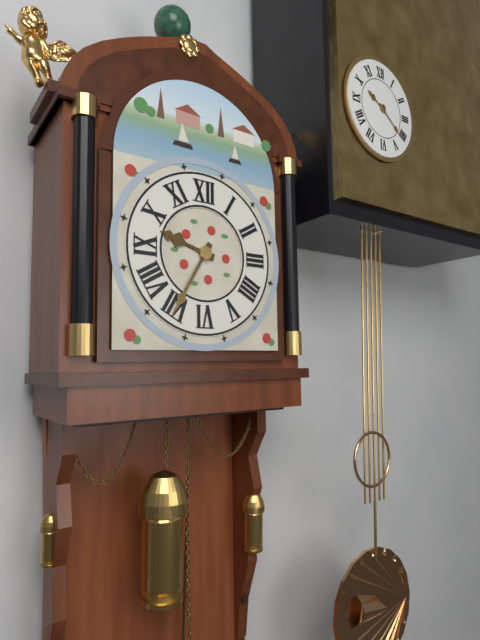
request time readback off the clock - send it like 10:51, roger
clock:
9:35
